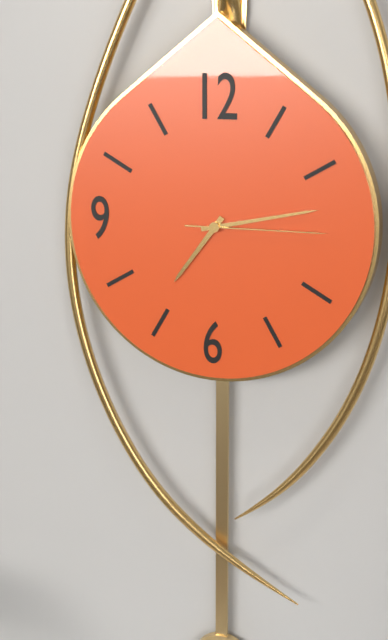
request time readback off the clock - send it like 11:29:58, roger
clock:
7:13:15
